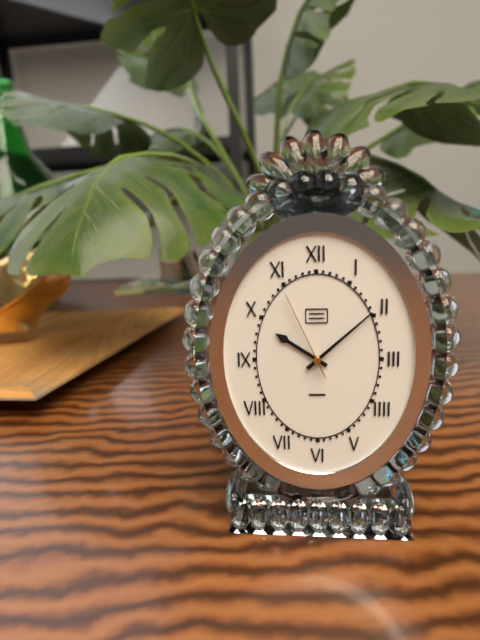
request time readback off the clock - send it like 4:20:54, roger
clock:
10:08:56
